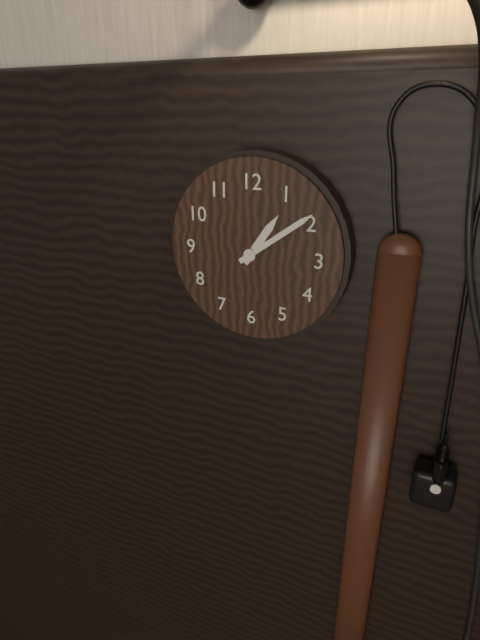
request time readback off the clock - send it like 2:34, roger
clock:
1:09
